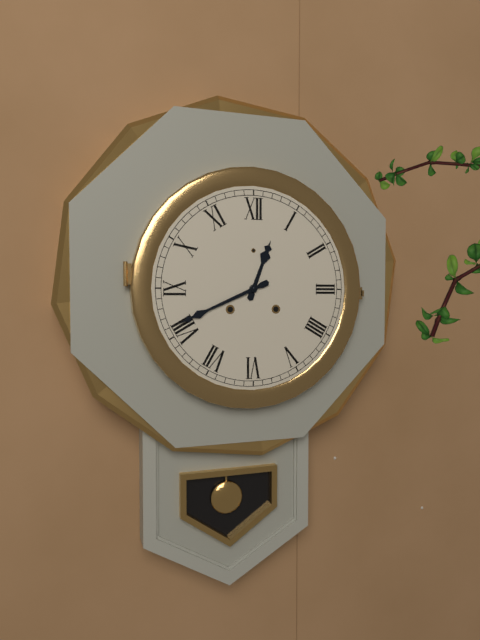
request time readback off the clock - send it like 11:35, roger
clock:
12:41
